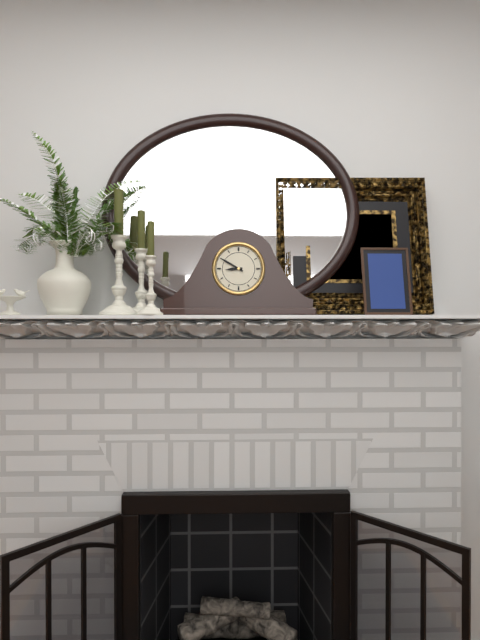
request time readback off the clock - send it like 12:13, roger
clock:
8:50
